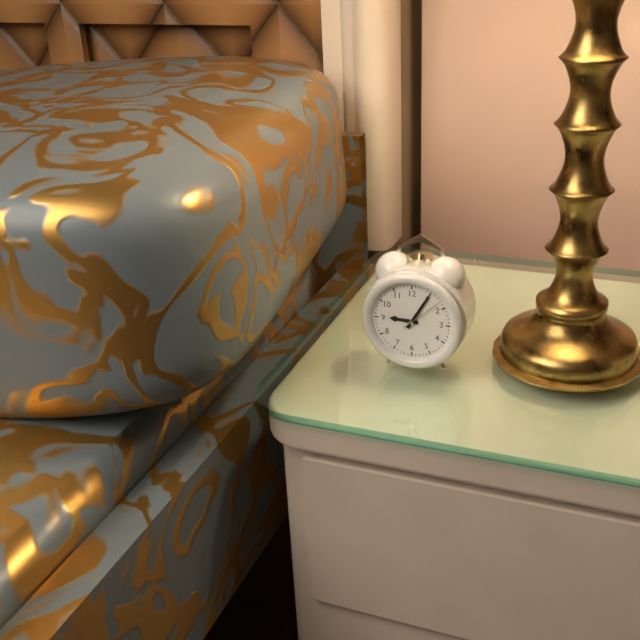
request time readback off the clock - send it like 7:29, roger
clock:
9:05
